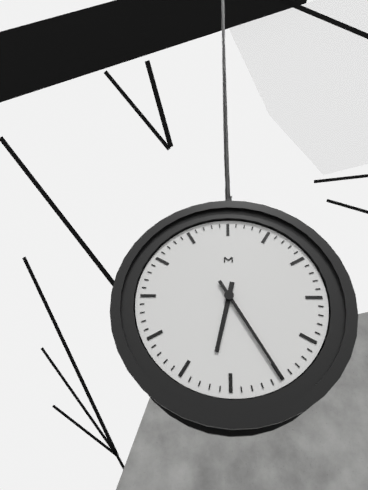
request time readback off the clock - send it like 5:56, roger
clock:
6:25
